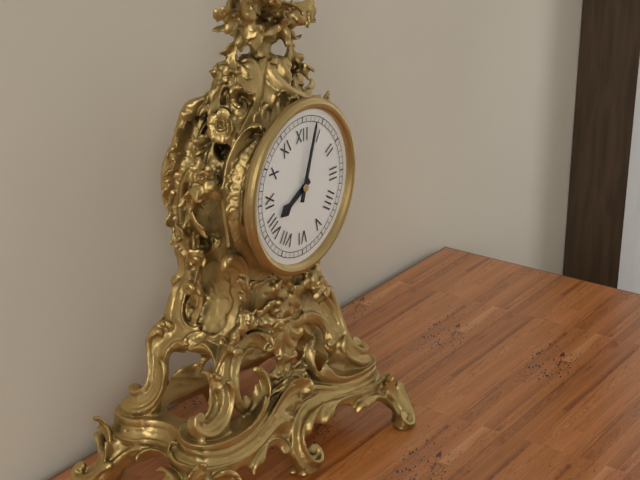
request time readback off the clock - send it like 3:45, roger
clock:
8:03
